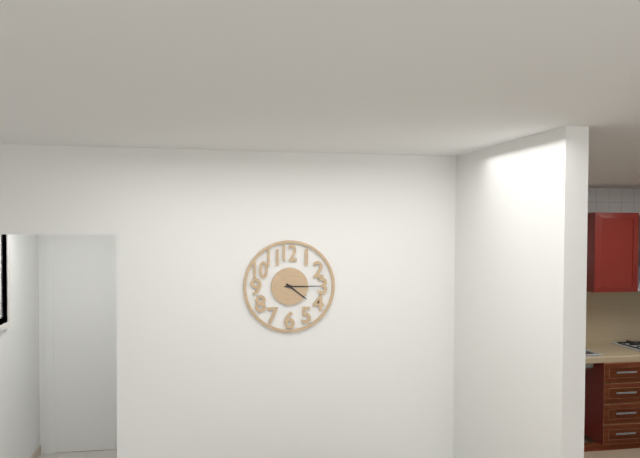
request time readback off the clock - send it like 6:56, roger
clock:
4:15
